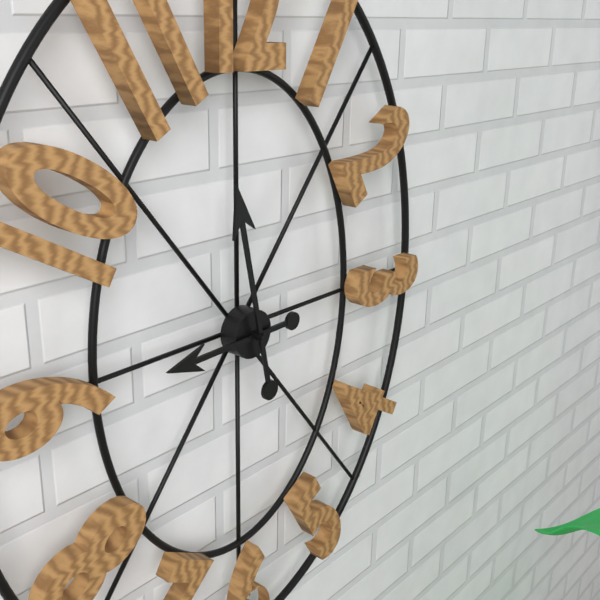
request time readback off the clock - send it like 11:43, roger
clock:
8:58
